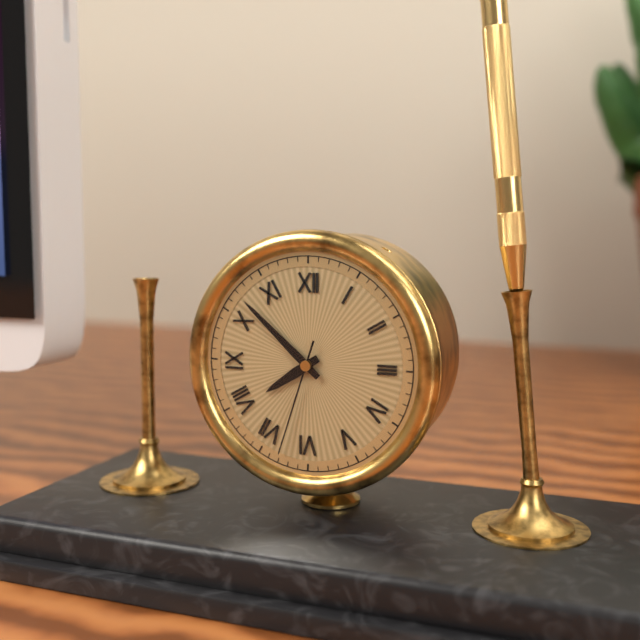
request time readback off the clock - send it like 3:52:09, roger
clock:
7:52:33
